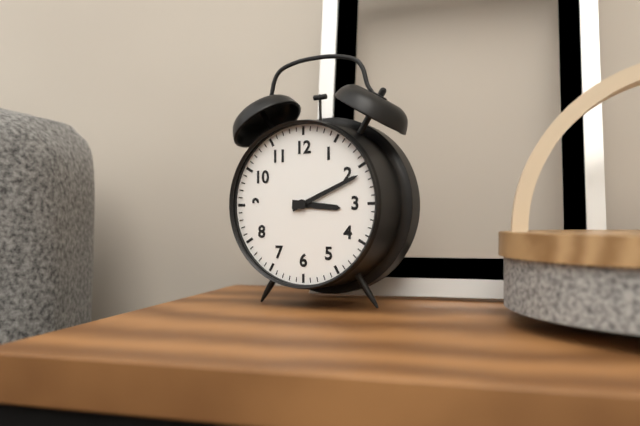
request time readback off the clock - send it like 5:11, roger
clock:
3:11
